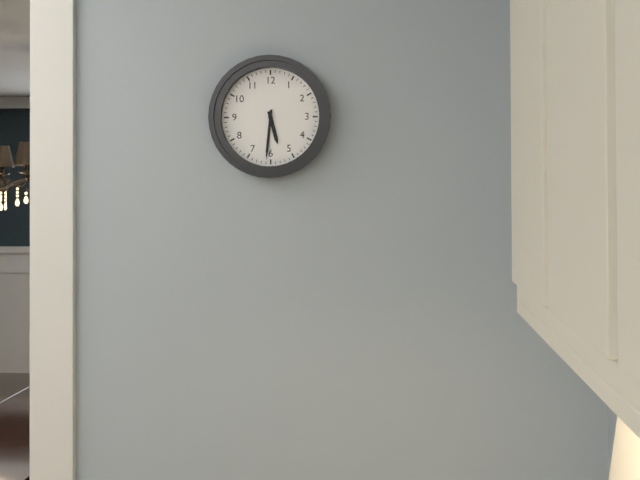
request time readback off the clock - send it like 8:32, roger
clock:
5:31
